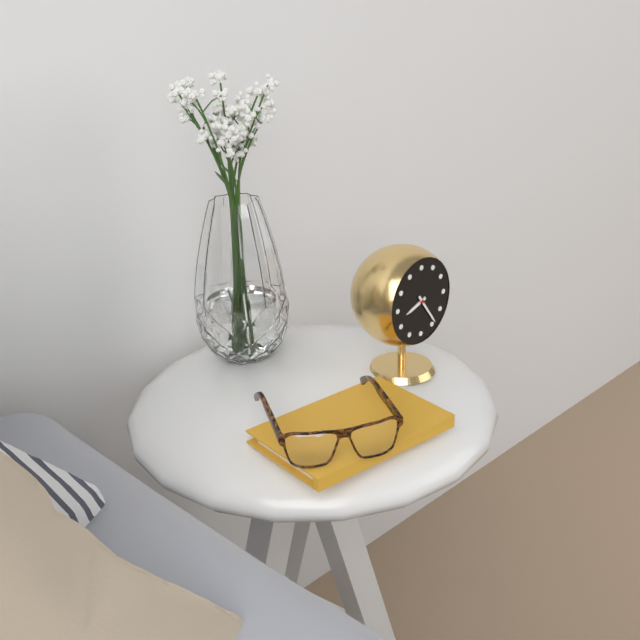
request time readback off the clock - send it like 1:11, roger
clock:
8:24
